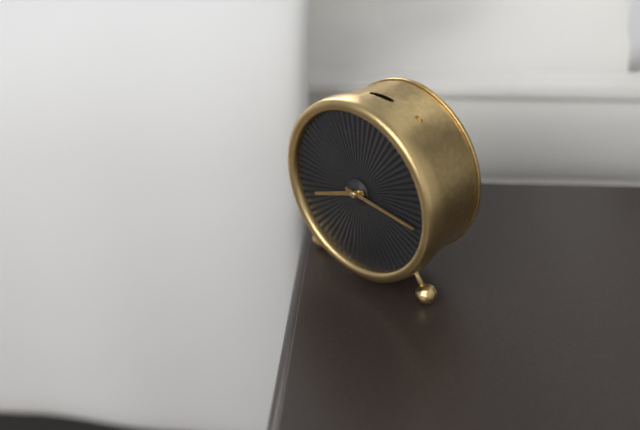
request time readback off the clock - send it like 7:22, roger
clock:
8:16
